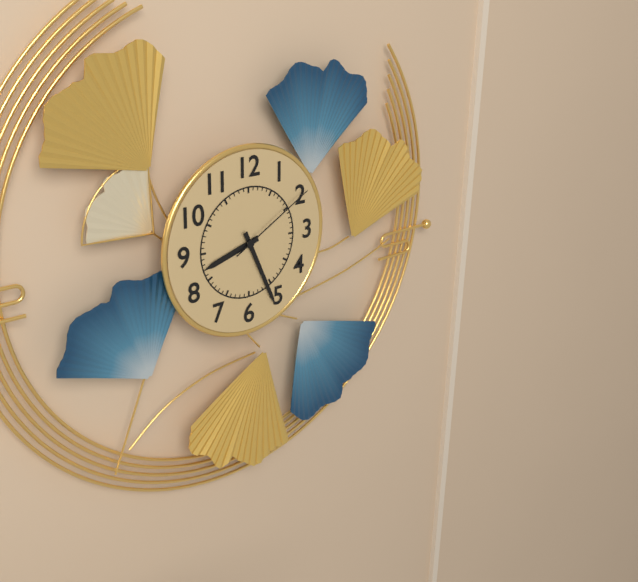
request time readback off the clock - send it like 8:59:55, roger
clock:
8:26:10
